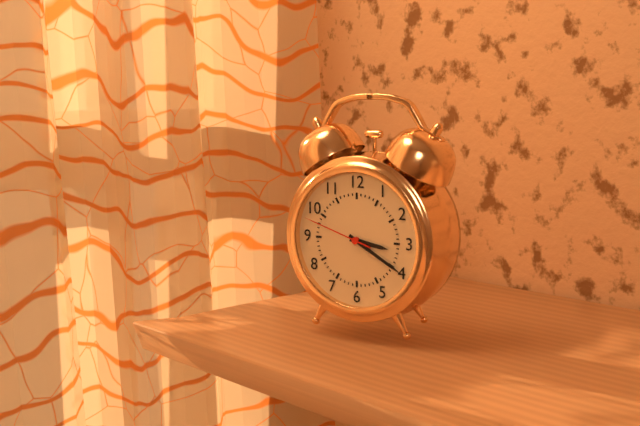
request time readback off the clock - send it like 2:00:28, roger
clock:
3:20:48
